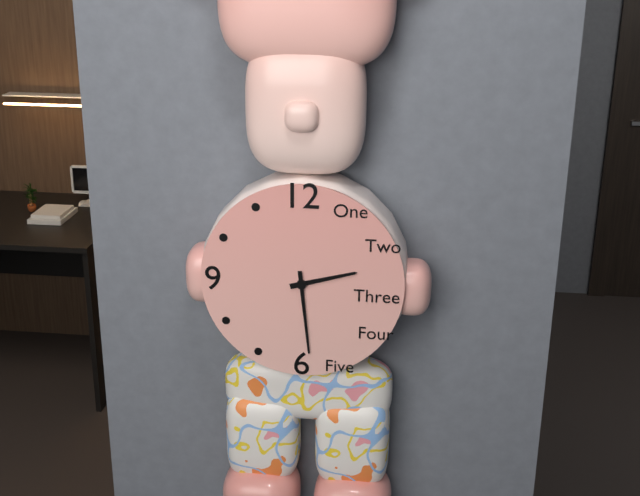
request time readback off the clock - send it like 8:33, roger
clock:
2:29
